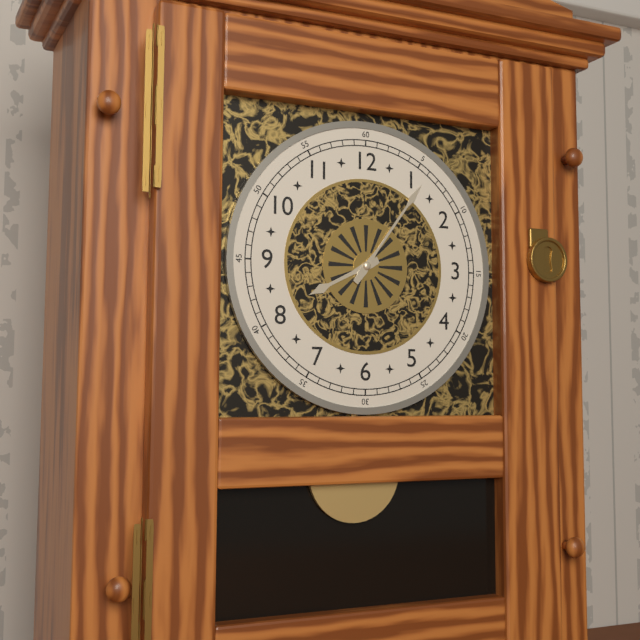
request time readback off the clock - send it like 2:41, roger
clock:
8:06
